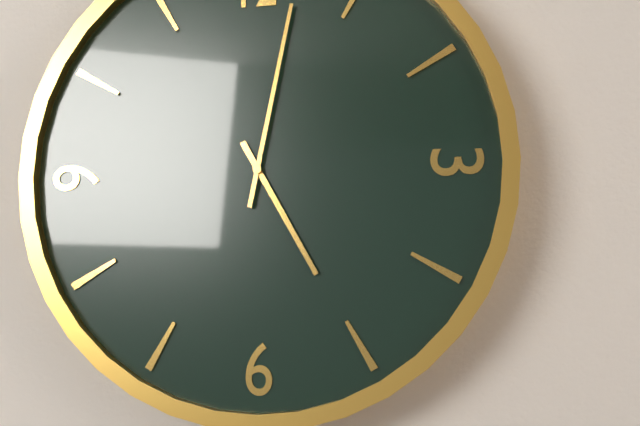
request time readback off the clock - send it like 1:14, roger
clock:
5:02
